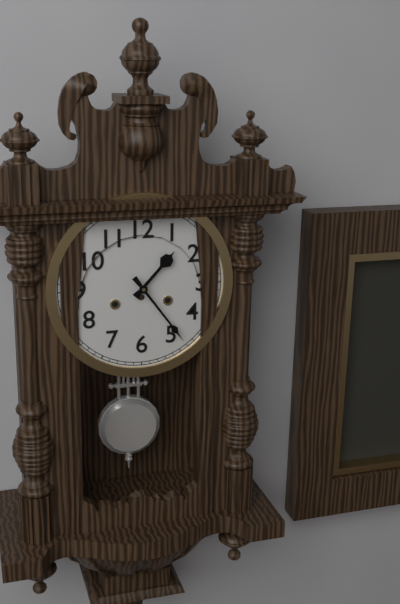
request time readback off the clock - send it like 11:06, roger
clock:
1:24
